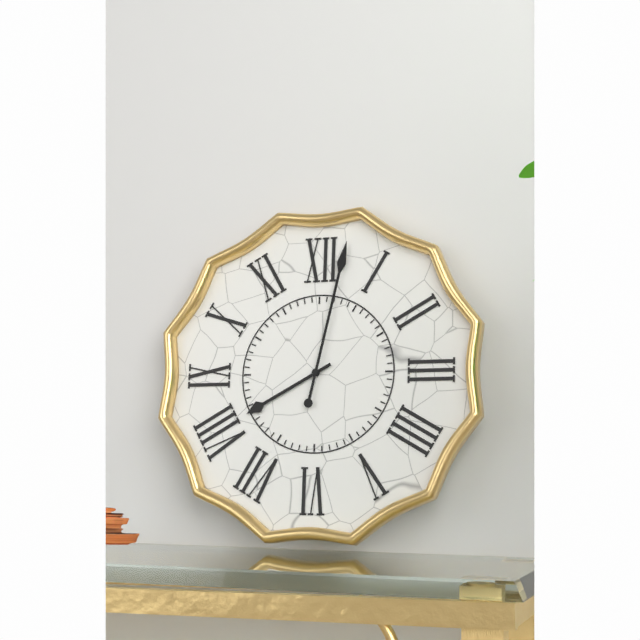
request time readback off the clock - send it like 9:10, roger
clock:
8:02
